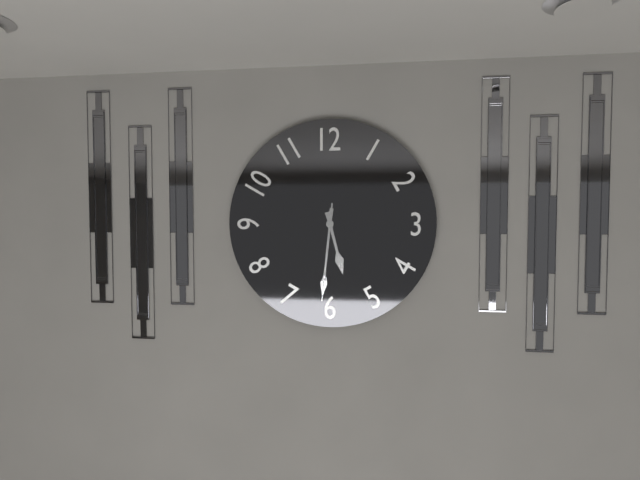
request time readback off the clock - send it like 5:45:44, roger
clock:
5:31:31
